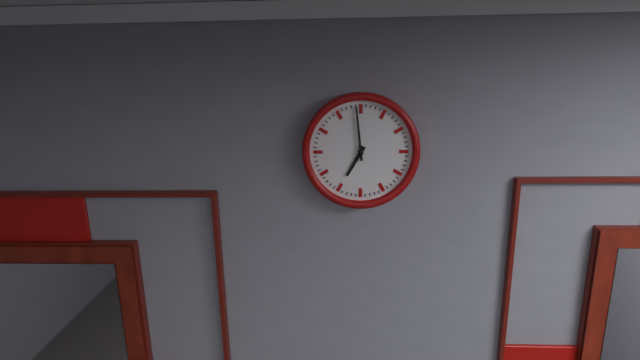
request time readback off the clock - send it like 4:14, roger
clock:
6:59
